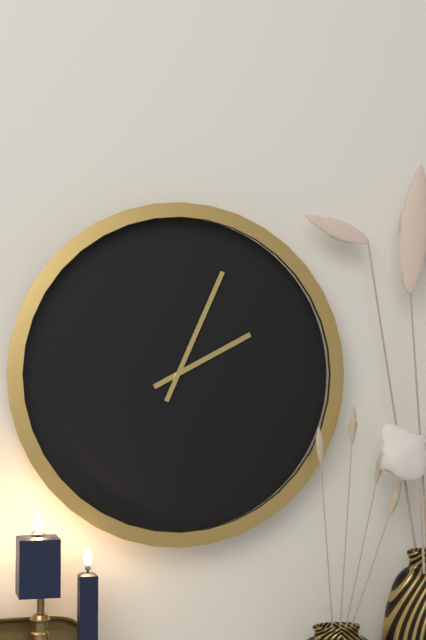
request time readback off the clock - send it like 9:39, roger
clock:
2:04
